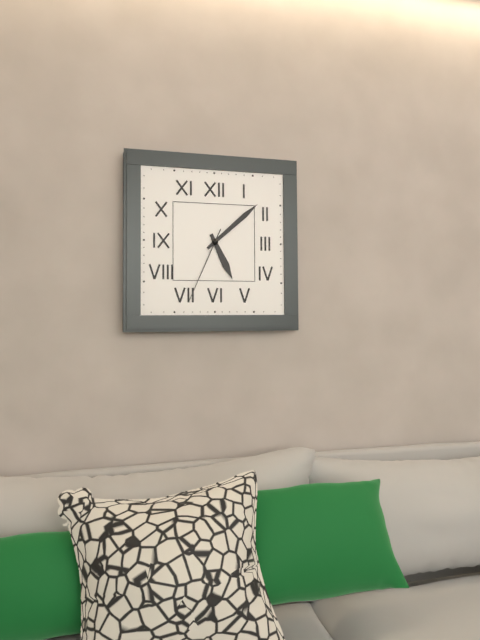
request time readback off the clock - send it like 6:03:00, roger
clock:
5:08:34
